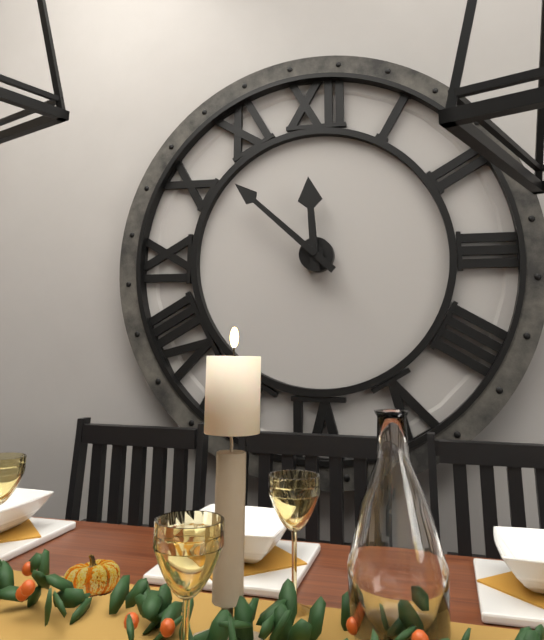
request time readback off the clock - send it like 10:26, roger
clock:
11:52
